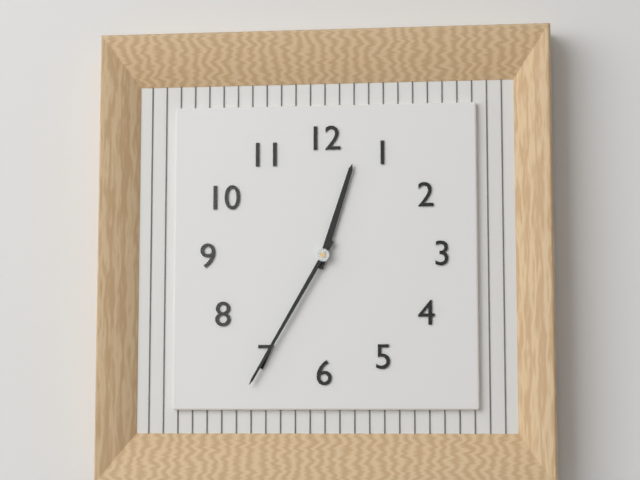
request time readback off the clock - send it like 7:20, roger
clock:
12:35
